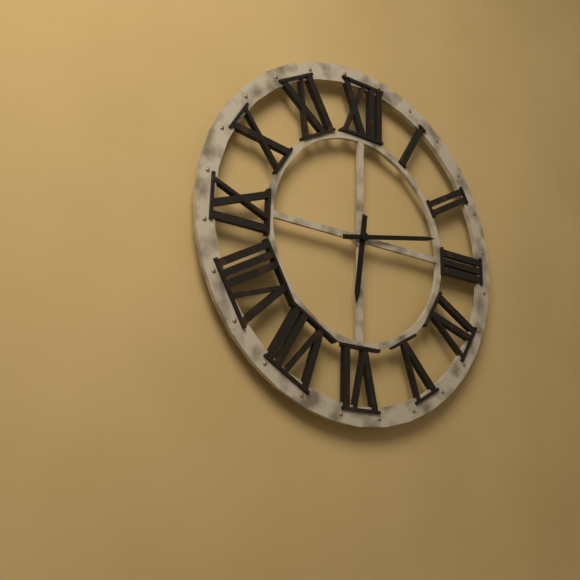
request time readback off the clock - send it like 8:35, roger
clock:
6:13
